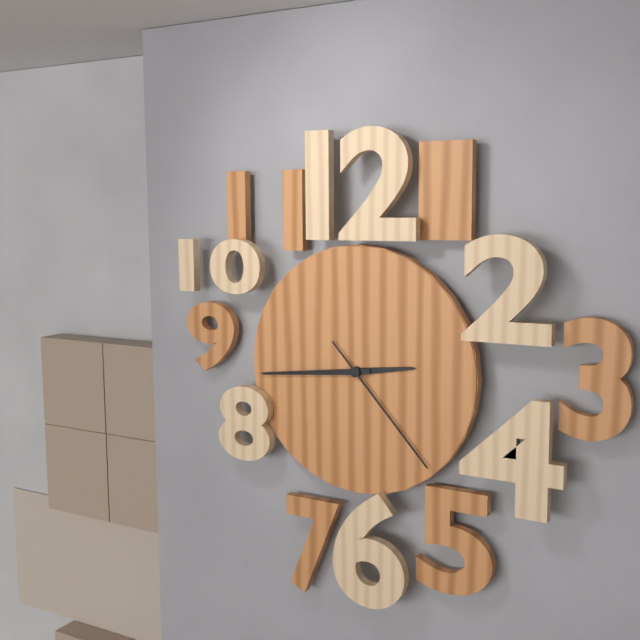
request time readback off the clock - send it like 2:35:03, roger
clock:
2:44:23
